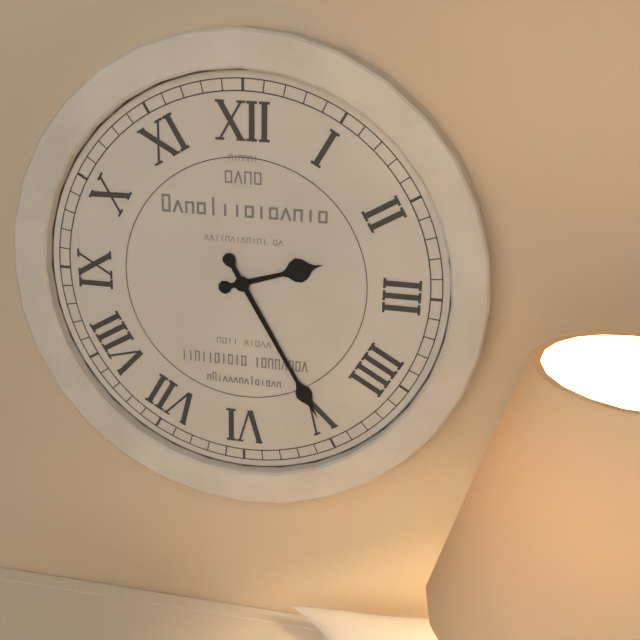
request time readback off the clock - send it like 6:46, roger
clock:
2:25
